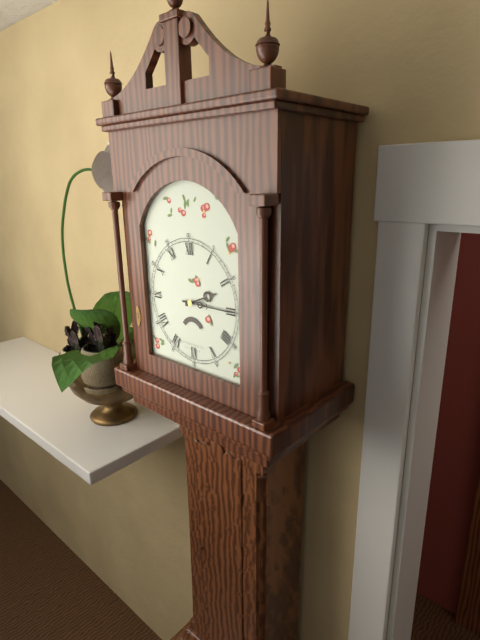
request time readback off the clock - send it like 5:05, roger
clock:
2:15
